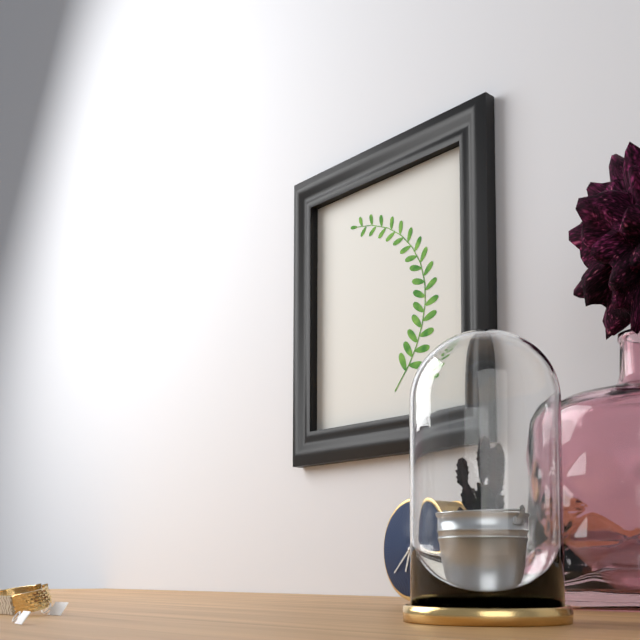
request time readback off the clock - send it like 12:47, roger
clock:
6:38
